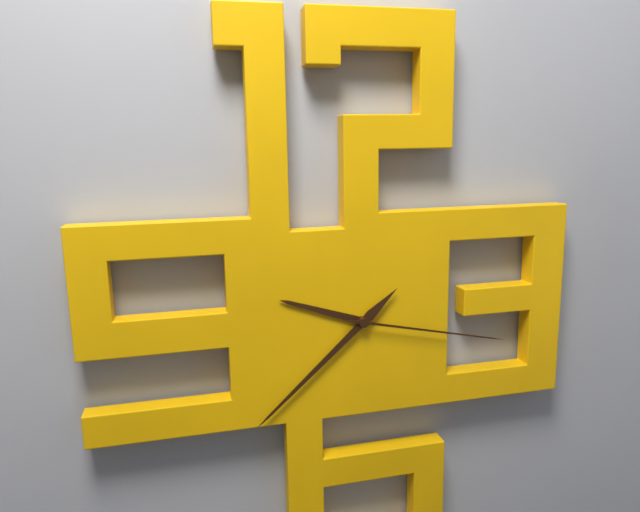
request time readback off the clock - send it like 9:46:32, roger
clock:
9:38:17
